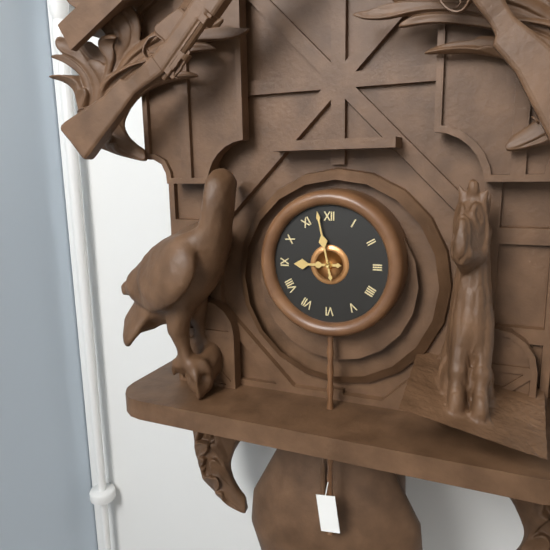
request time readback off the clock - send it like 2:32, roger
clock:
8:58
